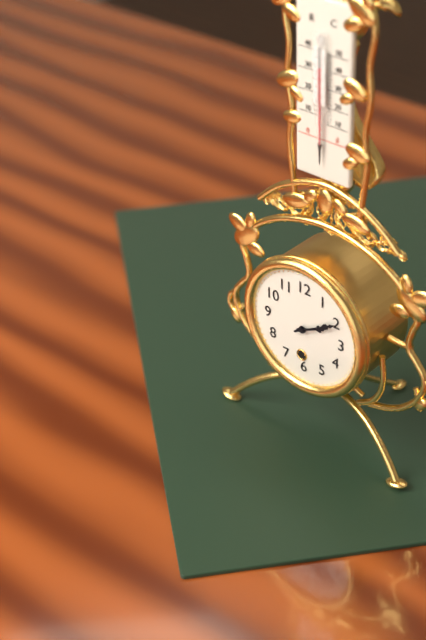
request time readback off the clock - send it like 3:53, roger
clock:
2:10
